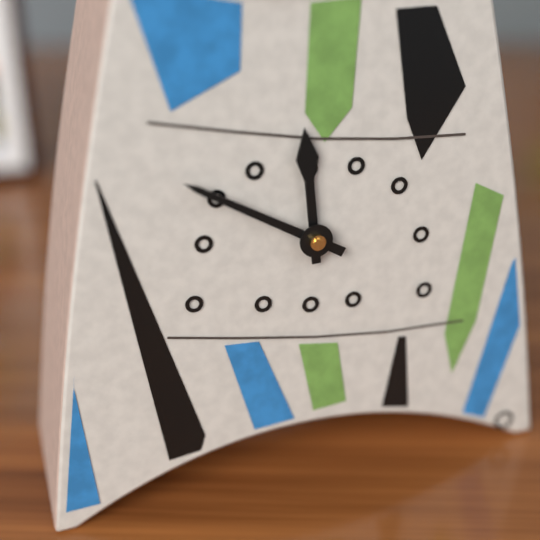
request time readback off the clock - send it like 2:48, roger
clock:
11:50
